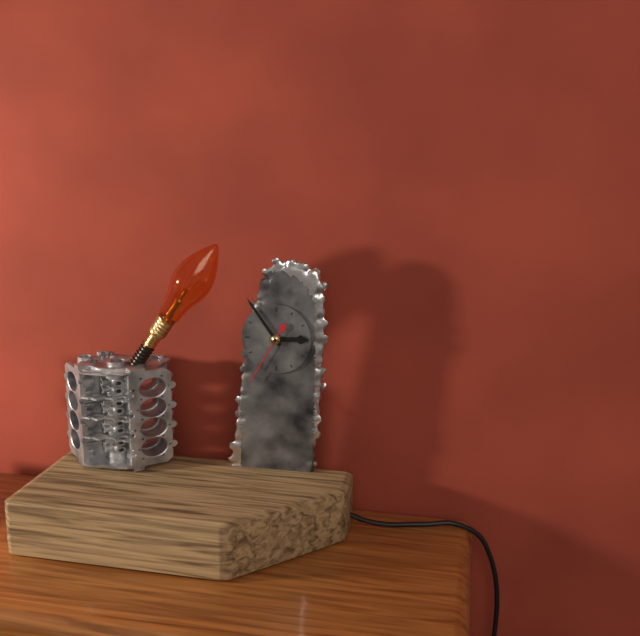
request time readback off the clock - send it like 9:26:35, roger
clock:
2:54:35
